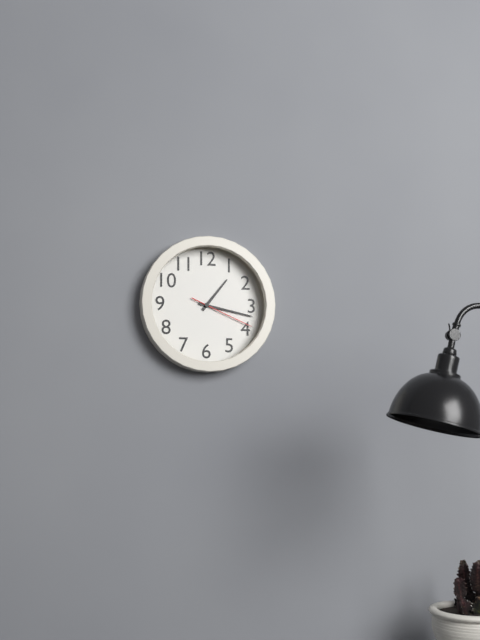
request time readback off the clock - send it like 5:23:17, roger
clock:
1:17:19
